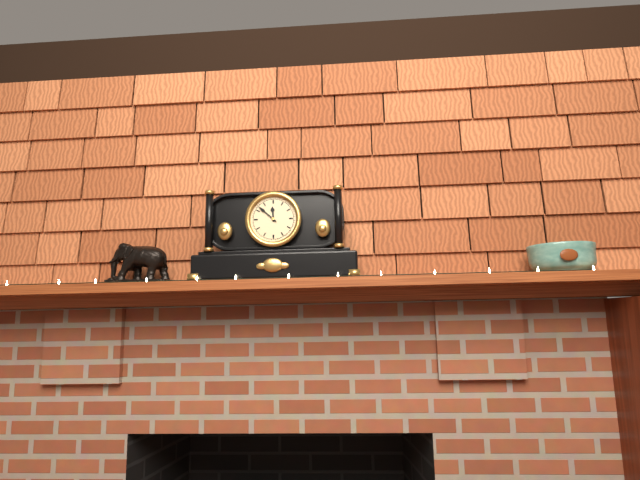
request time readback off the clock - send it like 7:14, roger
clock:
11:52
